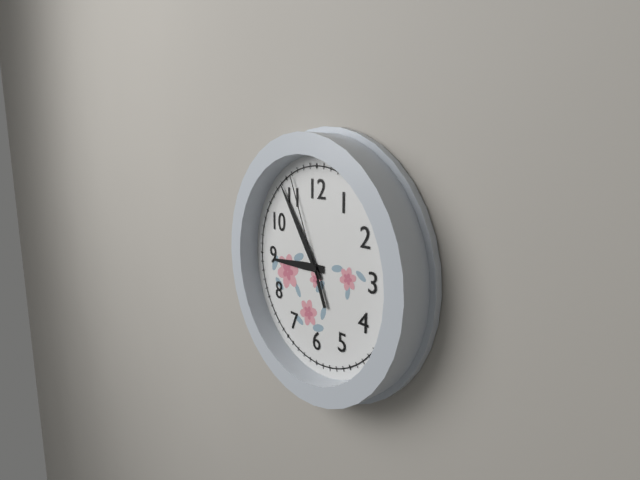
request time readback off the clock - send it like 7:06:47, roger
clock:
8:54:56
